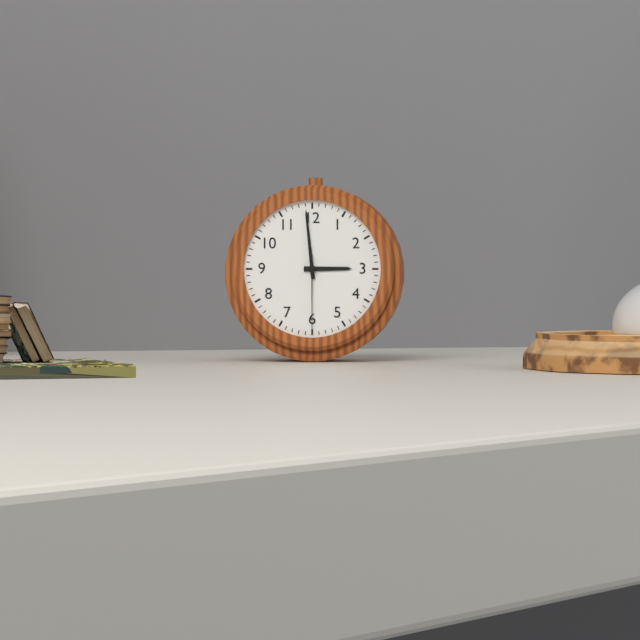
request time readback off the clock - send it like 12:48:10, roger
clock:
2:59:30
